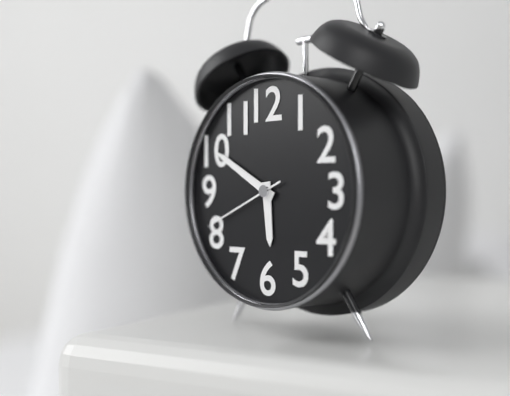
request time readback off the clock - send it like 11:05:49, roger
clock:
5:50:41
